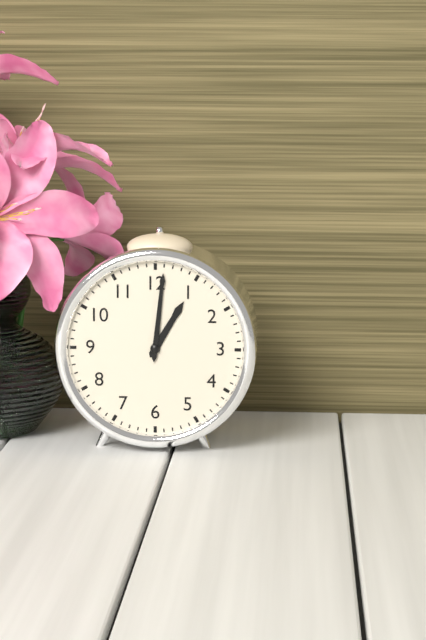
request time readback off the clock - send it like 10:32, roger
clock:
1:01
